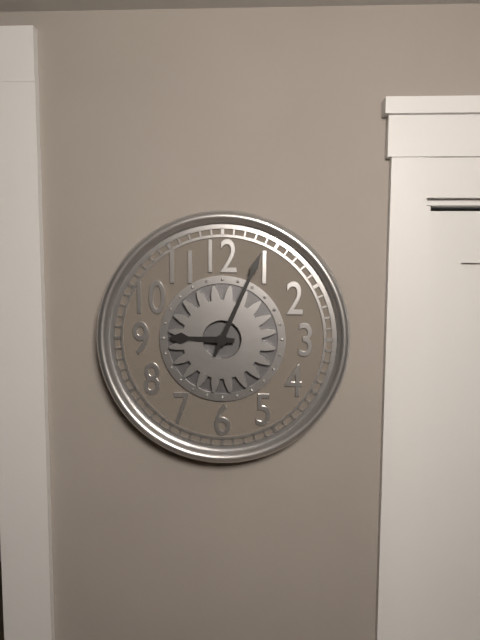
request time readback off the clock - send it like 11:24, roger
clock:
9:04
